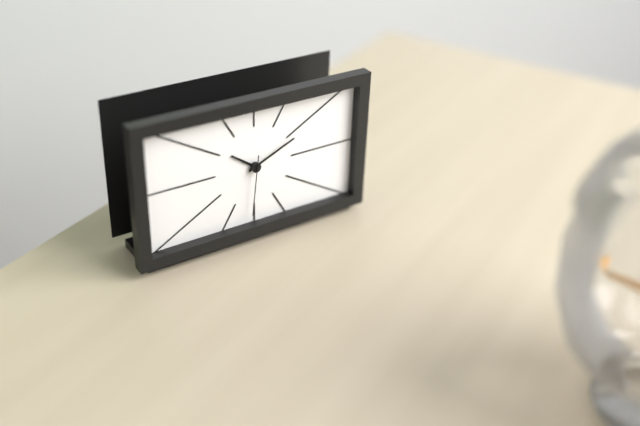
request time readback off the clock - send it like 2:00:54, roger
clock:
10:11:31
